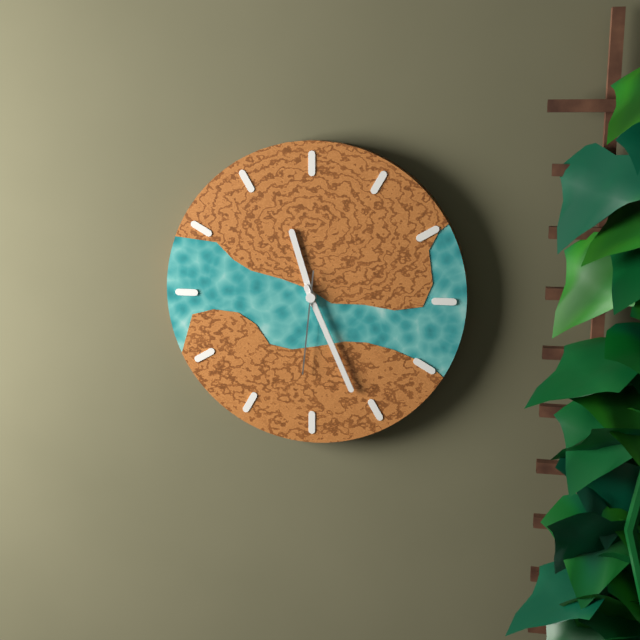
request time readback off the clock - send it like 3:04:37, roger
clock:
11:26:31
